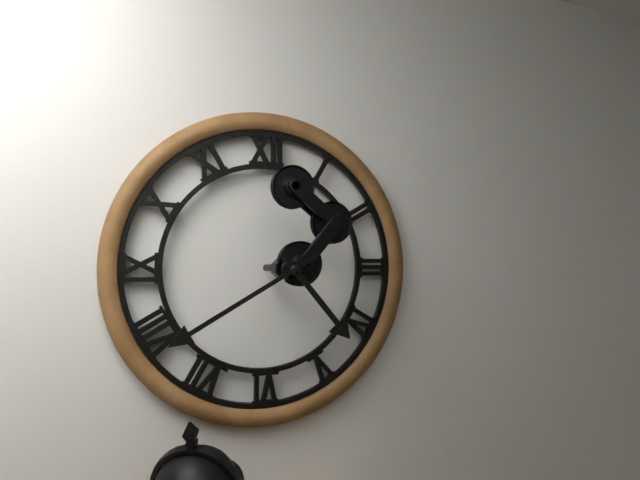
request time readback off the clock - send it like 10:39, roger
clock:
4:40
